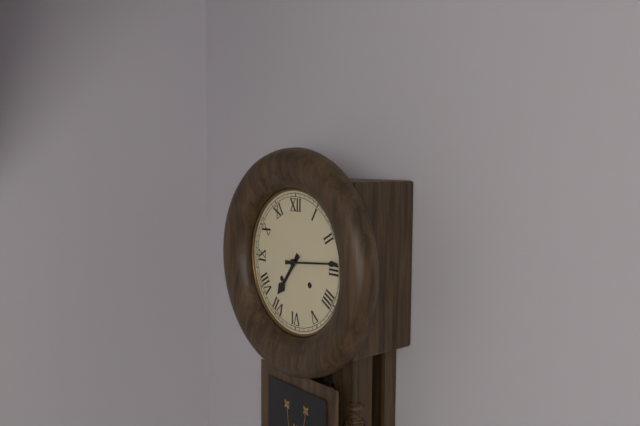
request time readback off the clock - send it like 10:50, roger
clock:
7:14
